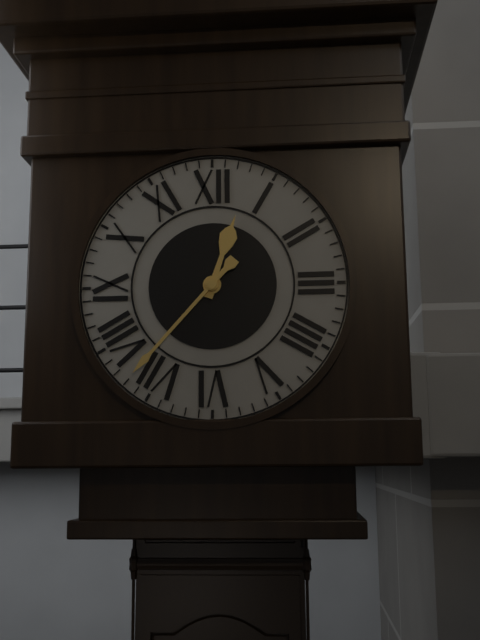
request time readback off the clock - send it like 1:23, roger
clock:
12:37
